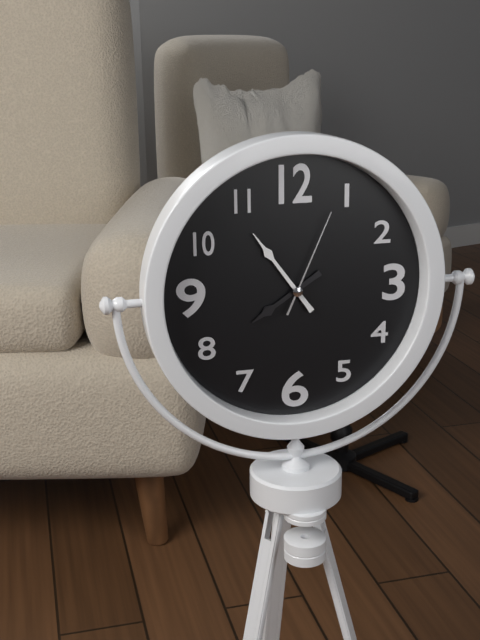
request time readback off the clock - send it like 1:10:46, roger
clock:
7:54:04
